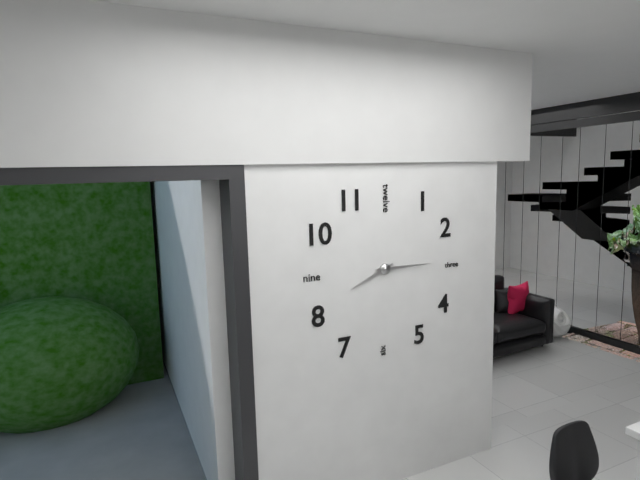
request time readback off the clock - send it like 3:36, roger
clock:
8:15
